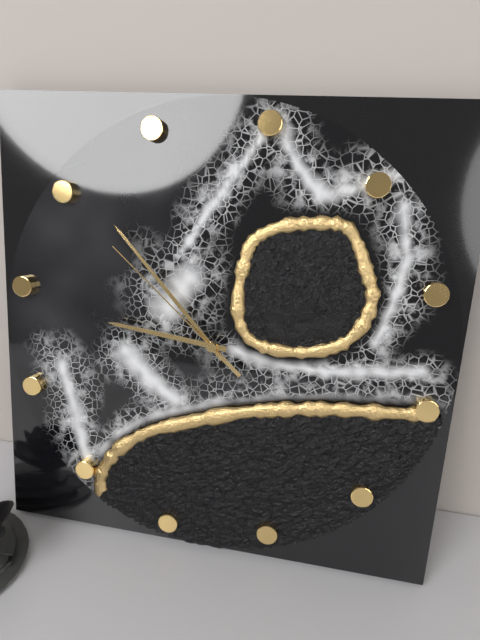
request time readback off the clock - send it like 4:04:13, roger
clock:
8:51:50
